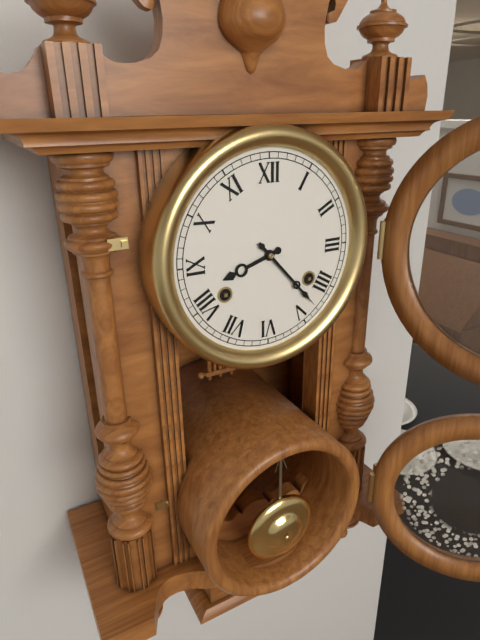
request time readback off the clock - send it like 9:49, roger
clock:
8:23
